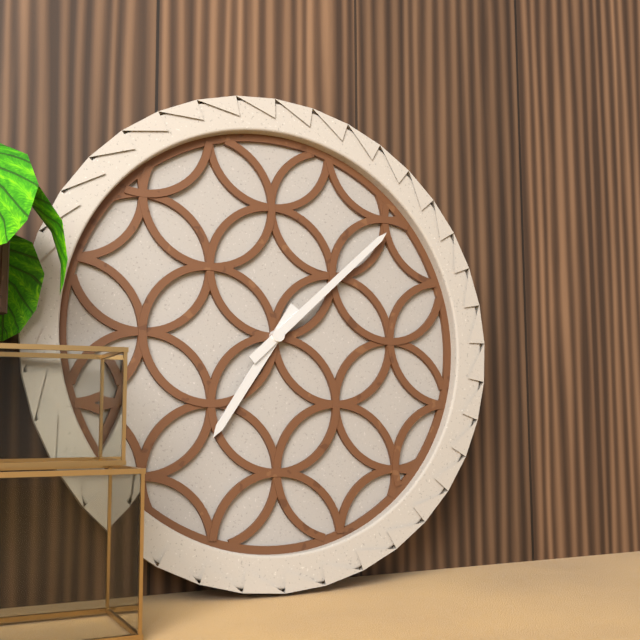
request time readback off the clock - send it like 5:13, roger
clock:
7:08
